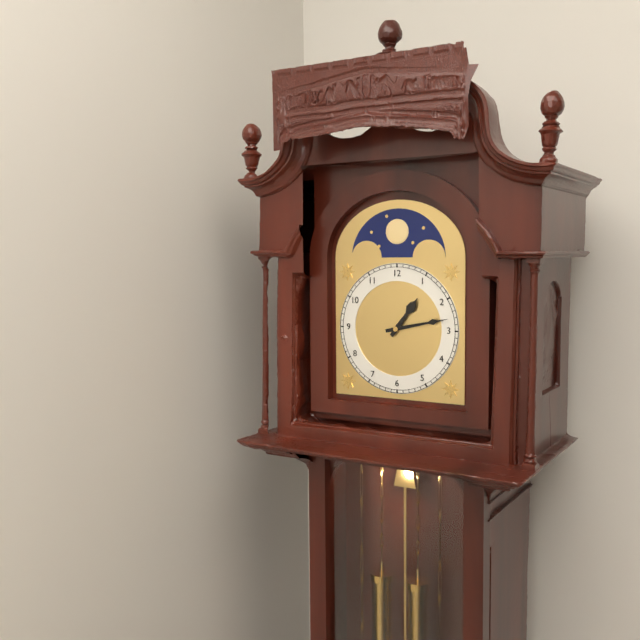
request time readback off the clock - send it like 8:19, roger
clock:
1:13
